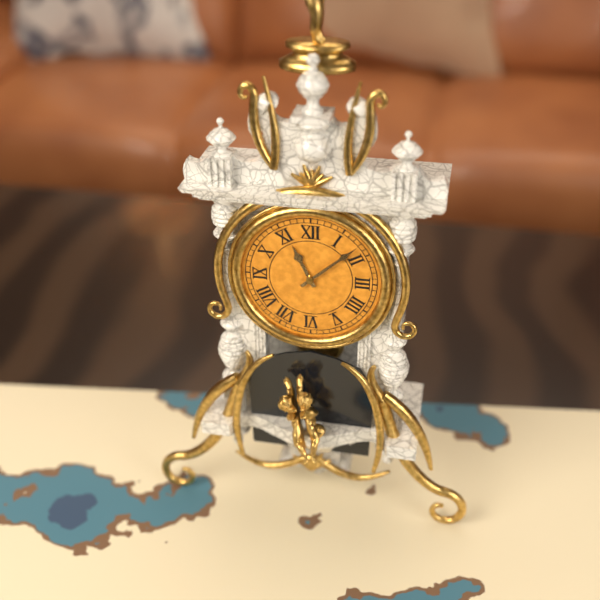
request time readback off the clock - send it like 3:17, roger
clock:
11:08
